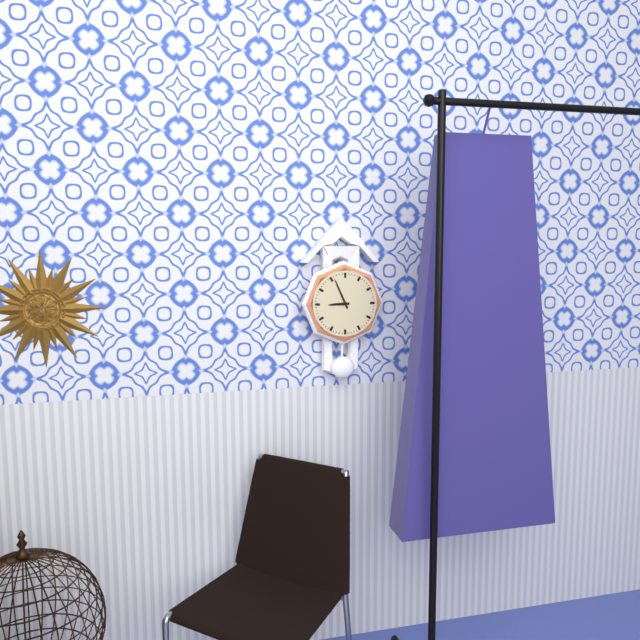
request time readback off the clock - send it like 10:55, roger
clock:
8:56
